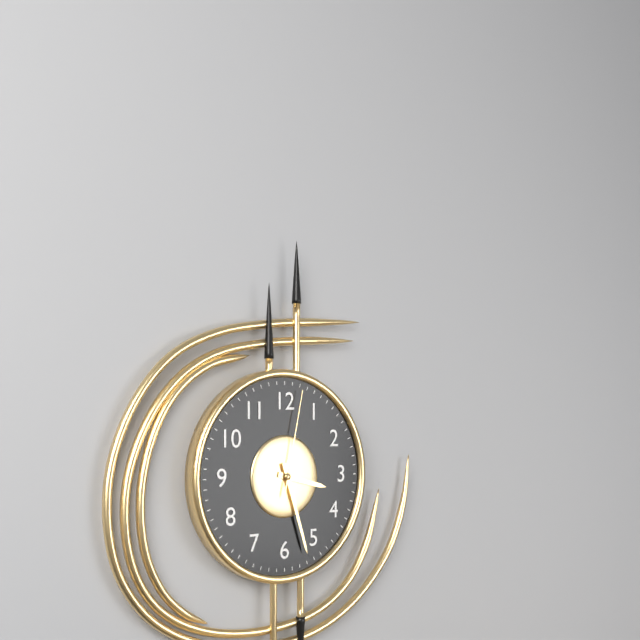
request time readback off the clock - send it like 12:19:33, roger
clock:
3:27:02
